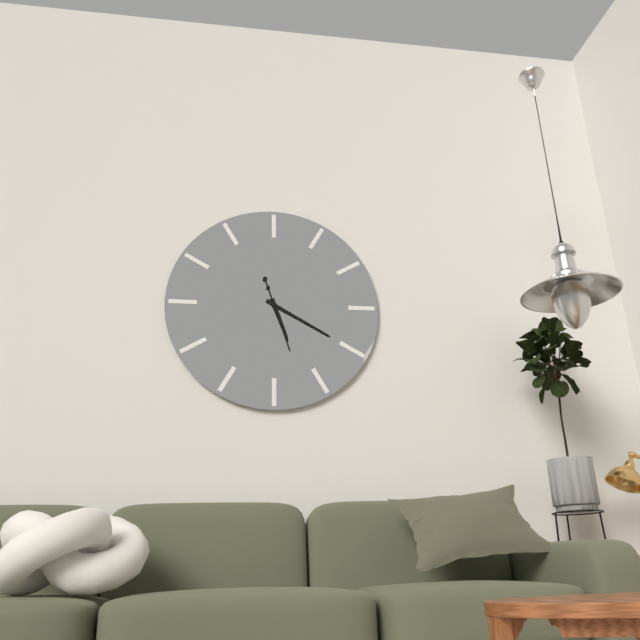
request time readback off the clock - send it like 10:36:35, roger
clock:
5:20:27
